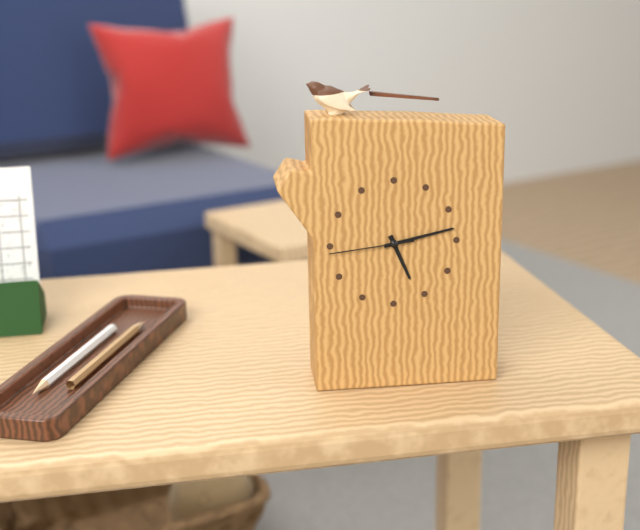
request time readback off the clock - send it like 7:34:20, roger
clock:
5:13:44
